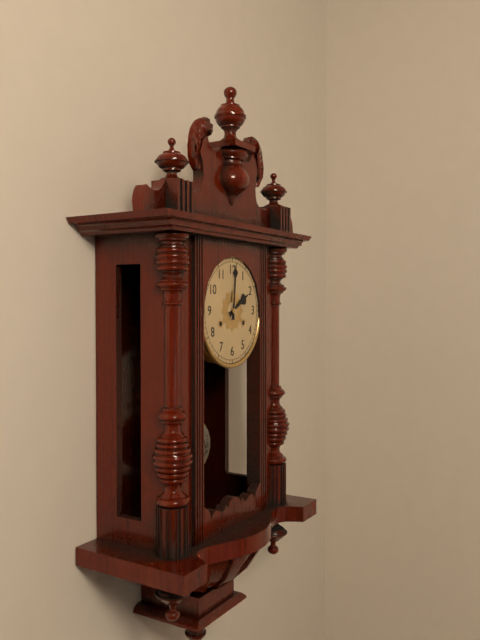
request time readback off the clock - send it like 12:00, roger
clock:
2:01
